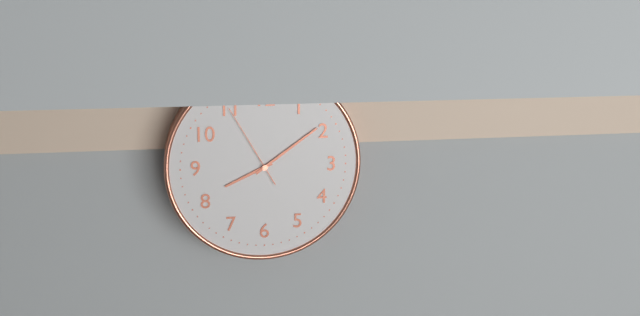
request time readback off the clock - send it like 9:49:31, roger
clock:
8:09:55
